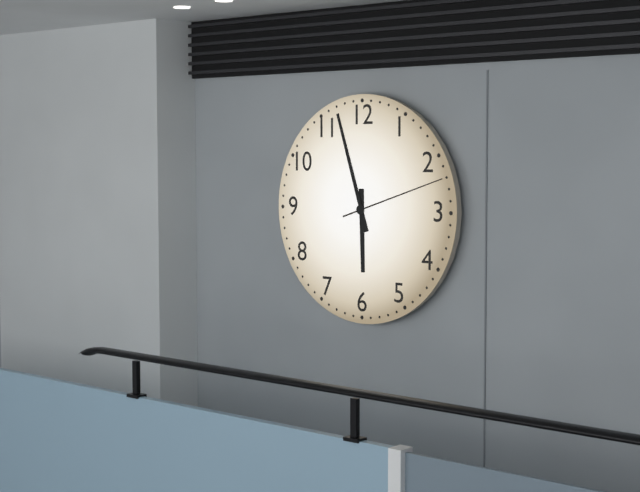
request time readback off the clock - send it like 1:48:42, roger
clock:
5:57:12
